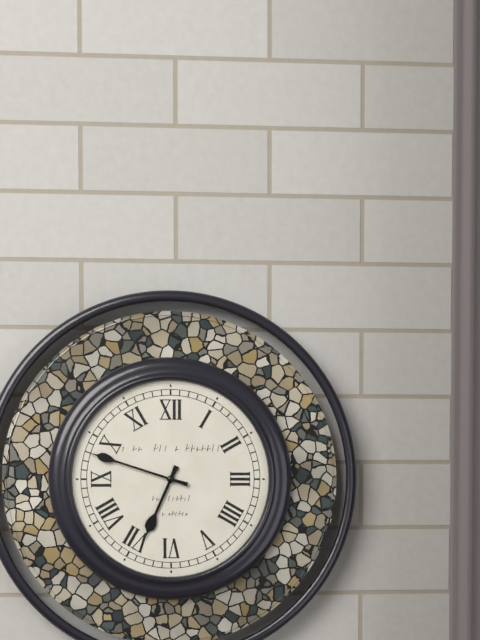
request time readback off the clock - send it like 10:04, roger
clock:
6:48
